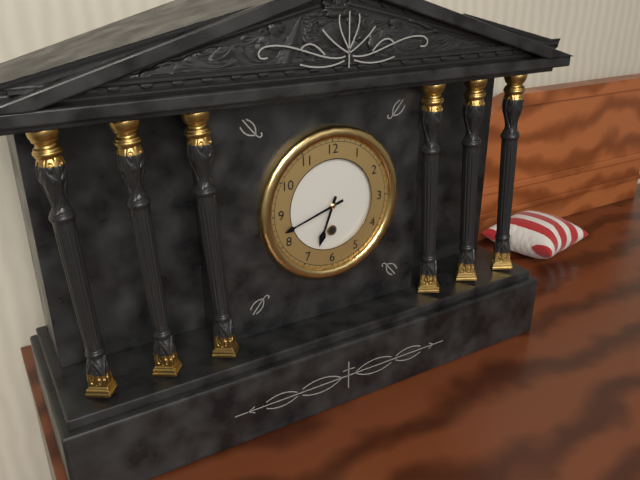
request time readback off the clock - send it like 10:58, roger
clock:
6:42
